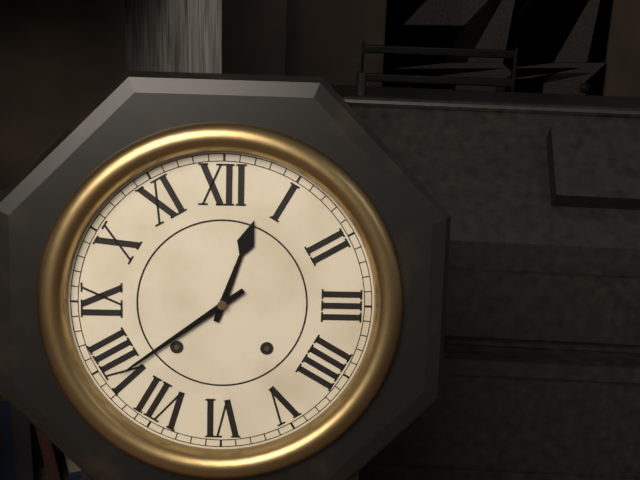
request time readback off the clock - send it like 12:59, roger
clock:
12:39
